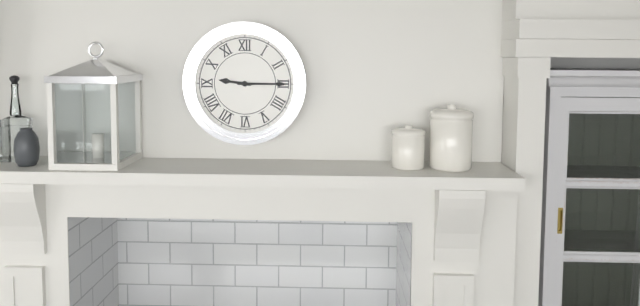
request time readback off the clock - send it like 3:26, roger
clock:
9:15
